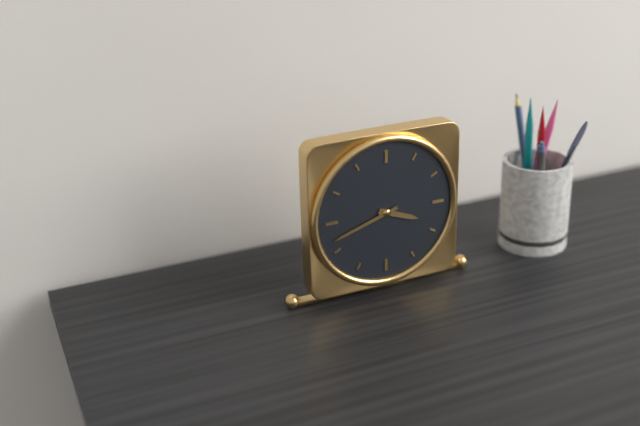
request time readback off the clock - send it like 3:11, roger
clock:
3:42
